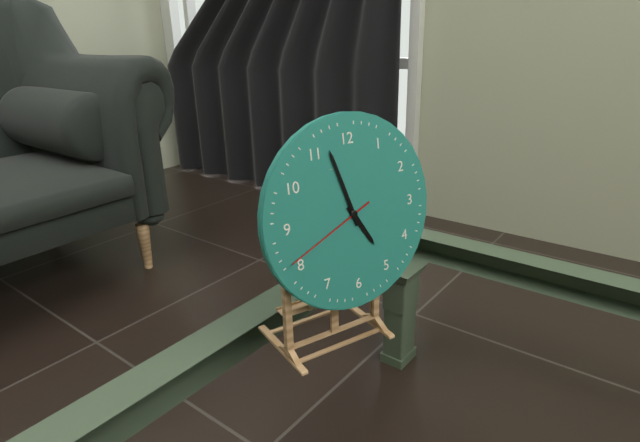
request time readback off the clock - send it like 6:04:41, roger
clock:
4:57:41
